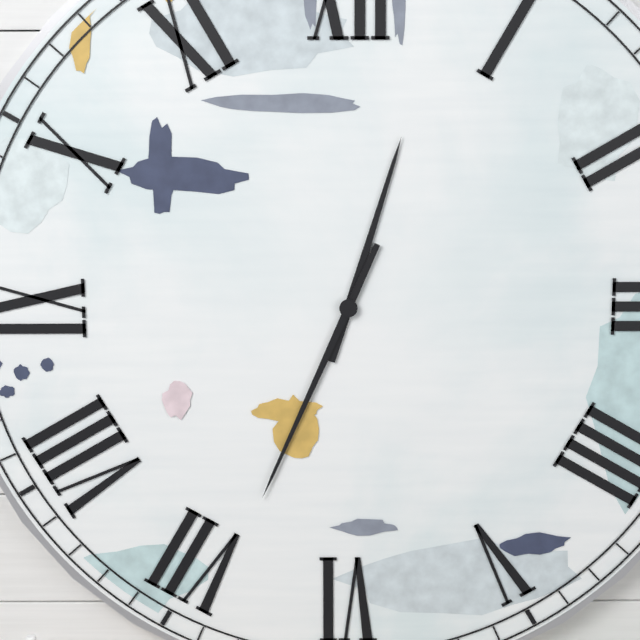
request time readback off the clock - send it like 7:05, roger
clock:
12:34
